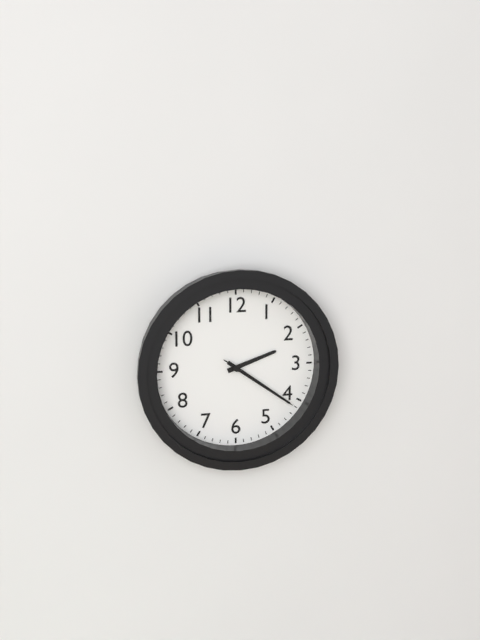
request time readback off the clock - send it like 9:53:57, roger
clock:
2:21:21
